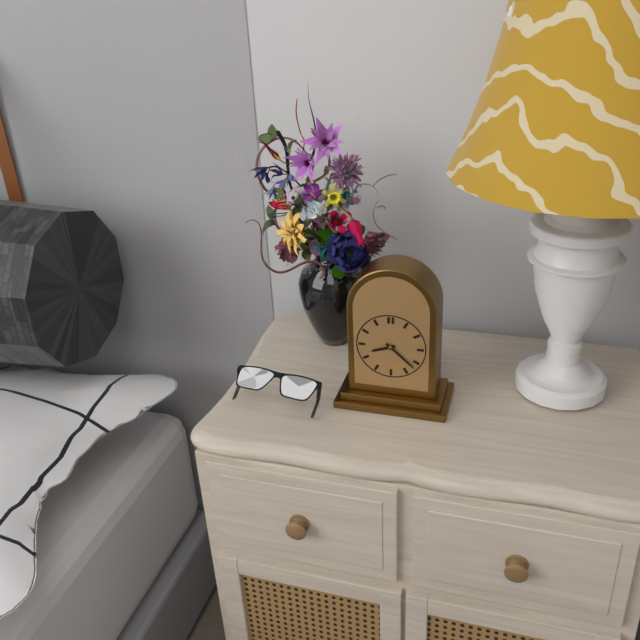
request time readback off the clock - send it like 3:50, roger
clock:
8:22
